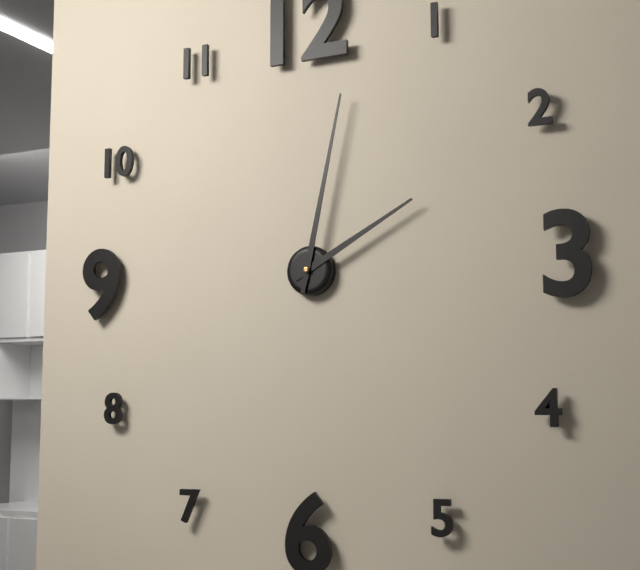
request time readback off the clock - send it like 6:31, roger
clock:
2:02
